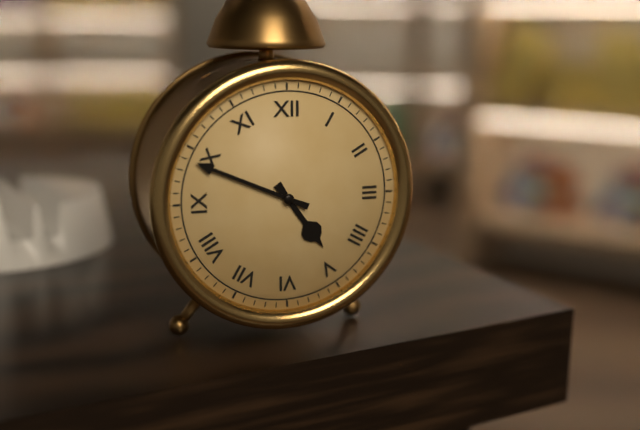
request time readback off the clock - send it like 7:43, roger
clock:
4:49
